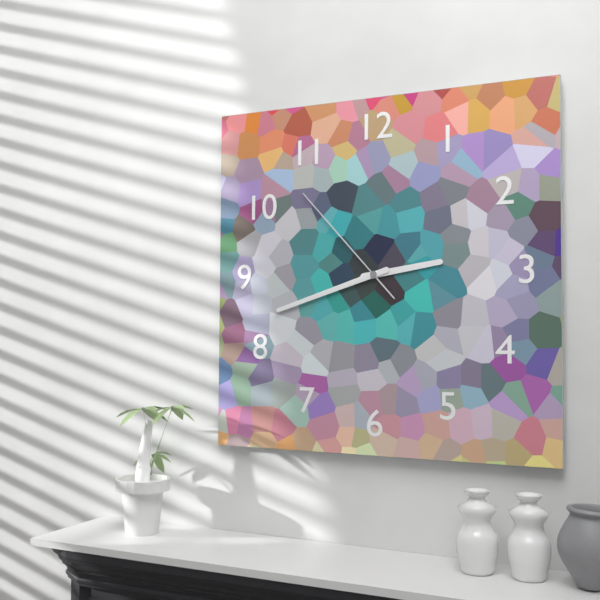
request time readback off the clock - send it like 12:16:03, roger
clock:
2:42:53
